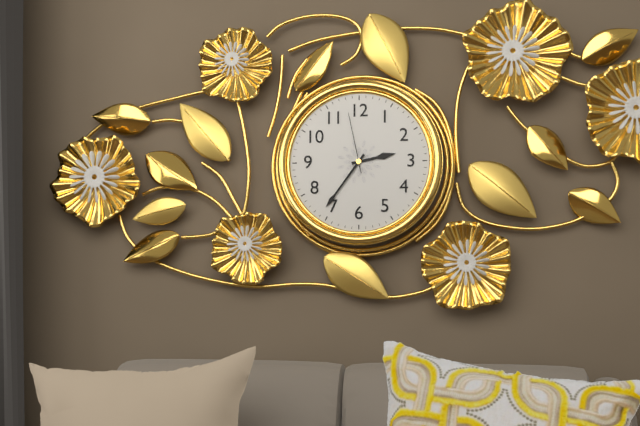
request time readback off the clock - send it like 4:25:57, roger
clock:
2:36:58
